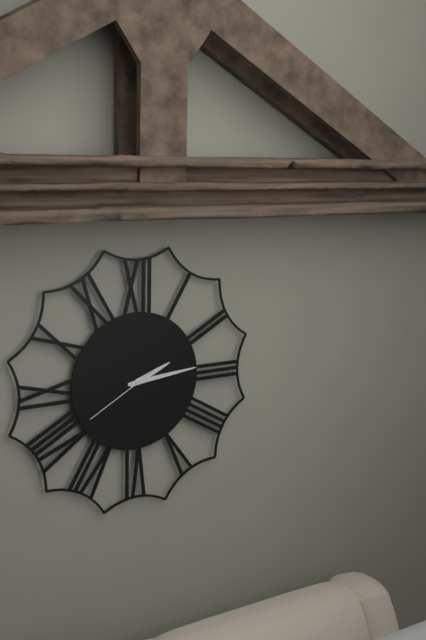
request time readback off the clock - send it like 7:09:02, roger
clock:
2:14:40
